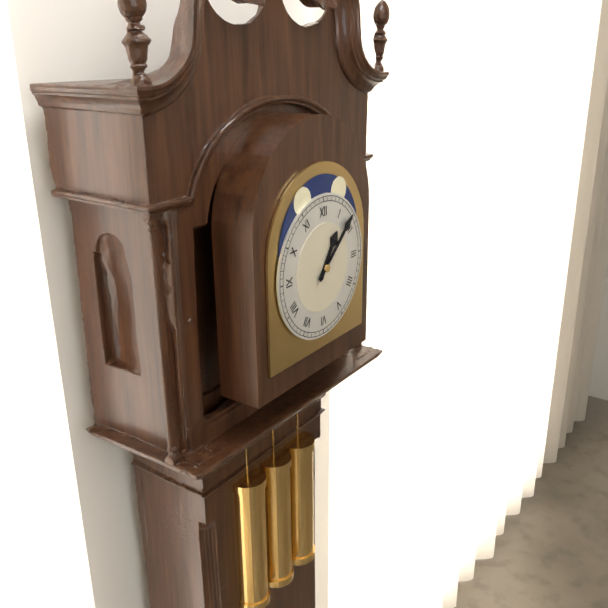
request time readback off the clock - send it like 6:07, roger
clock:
1:08
